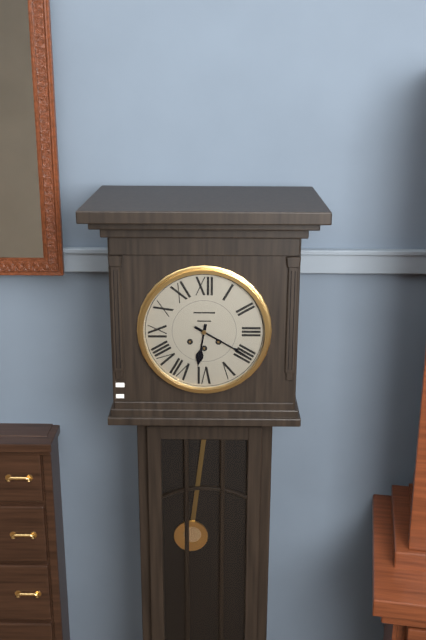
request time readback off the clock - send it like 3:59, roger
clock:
6:20
